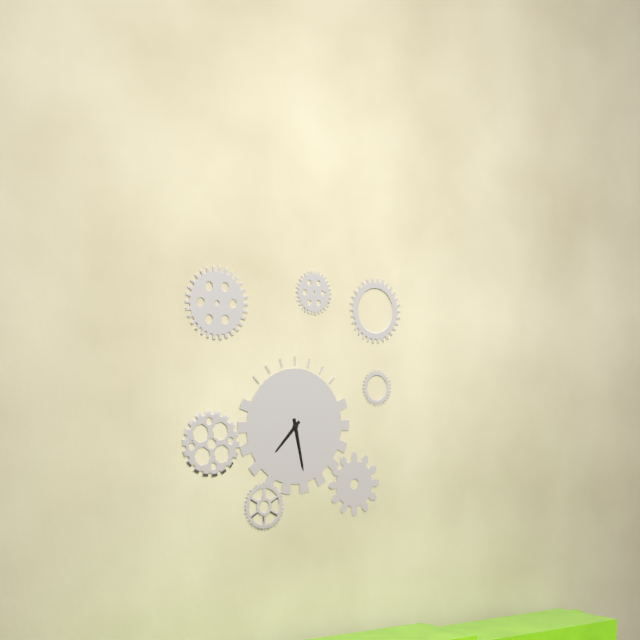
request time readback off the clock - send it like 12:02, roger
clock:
7:28
